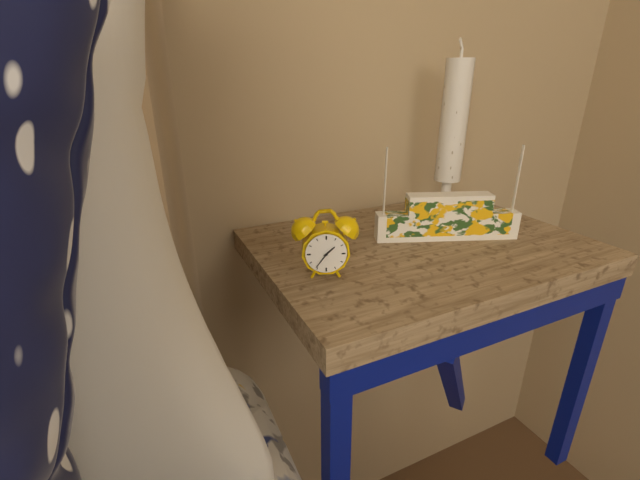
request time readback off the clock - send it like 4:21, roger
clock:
1:36
